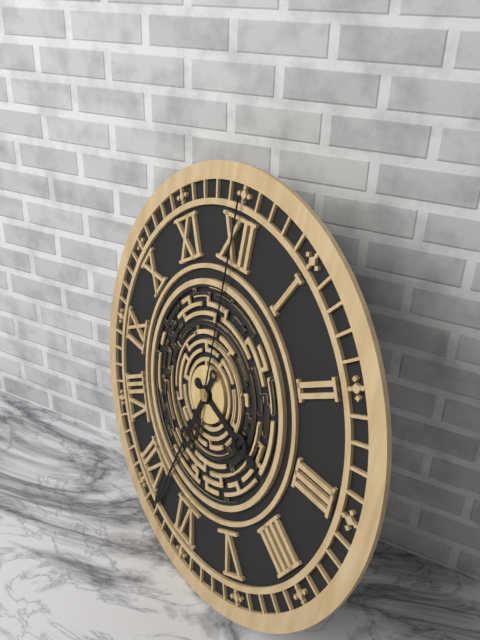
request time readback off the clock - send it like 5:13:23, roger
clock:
3:33:00
